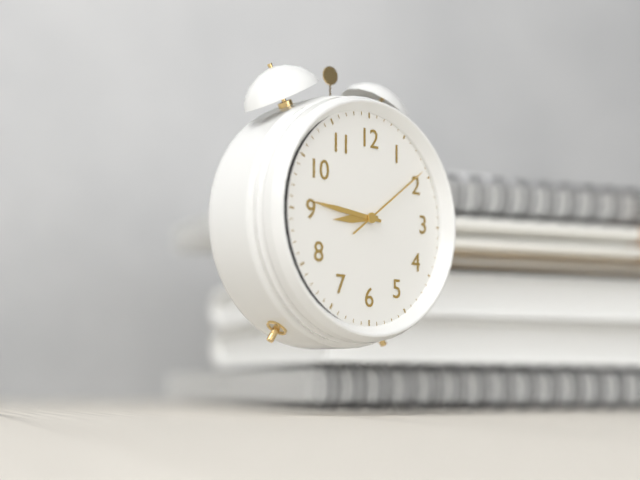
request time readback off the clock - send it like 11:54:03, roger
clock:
8:46:09
